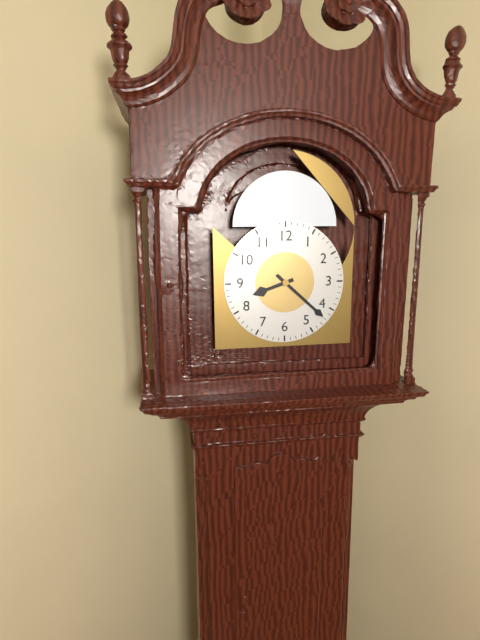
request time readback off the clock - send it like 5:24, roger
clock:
8:22
